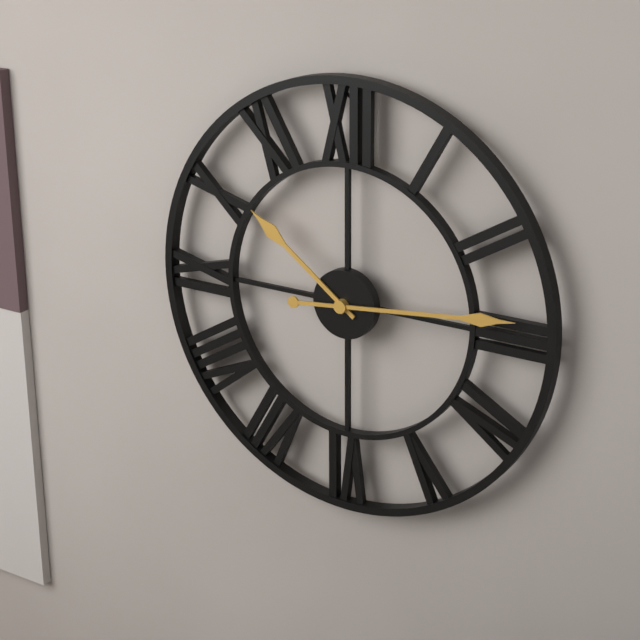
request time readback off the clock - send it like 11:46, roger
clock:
10:14
